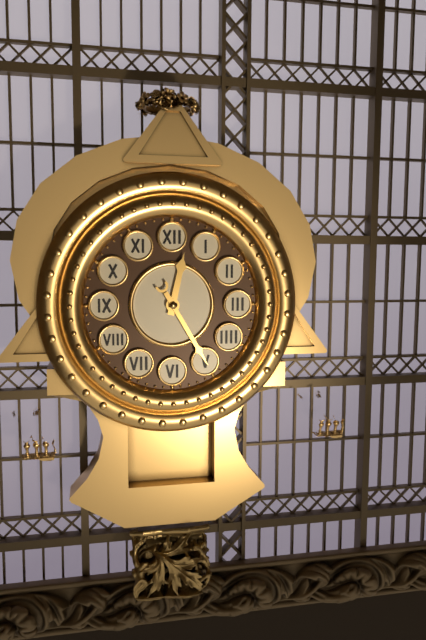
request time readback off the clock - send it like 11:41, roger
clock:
12:25
